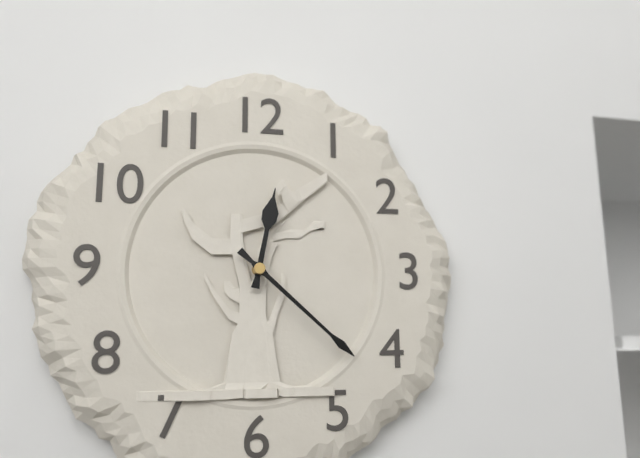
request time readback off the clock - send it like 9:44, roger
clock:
12:22
